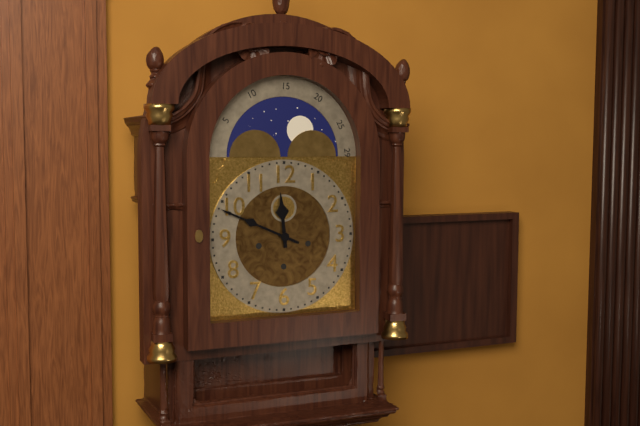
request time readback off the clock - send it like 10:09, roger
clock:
11:49
